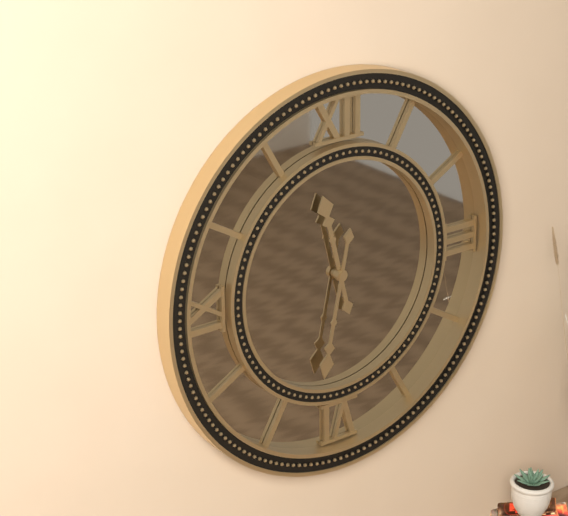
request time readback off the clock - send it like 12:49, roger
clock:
11:32
